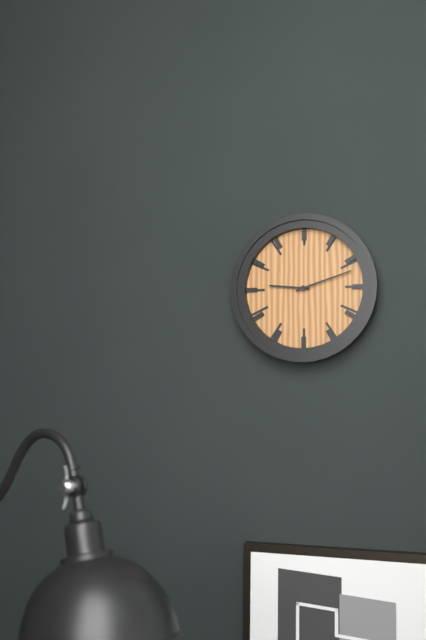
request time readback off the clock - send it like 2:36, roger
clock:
9:12
